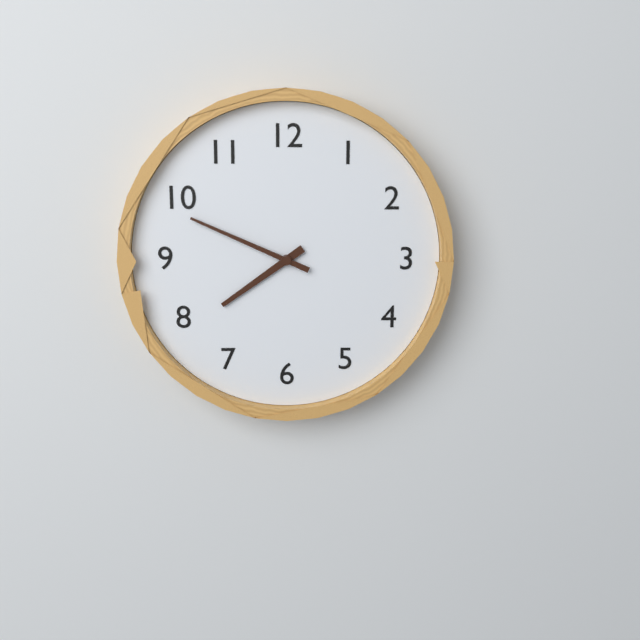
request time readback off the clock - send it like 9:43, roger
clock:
7:49
